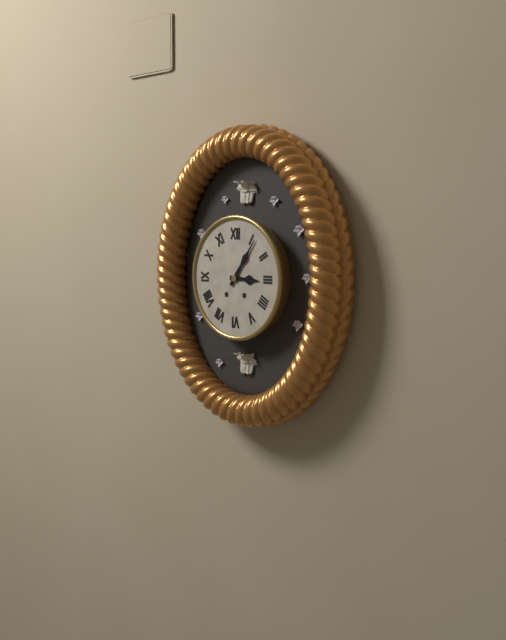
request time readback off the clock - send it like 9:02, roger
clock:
3:06
